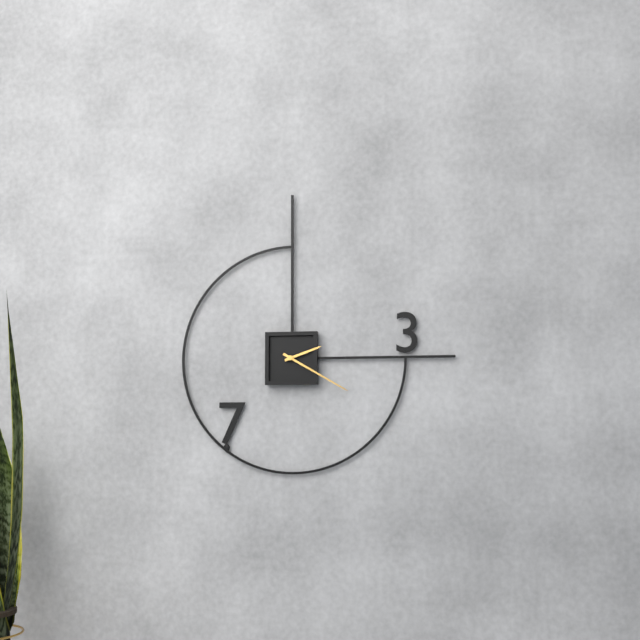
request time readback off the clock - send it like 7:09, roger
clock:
2:20
